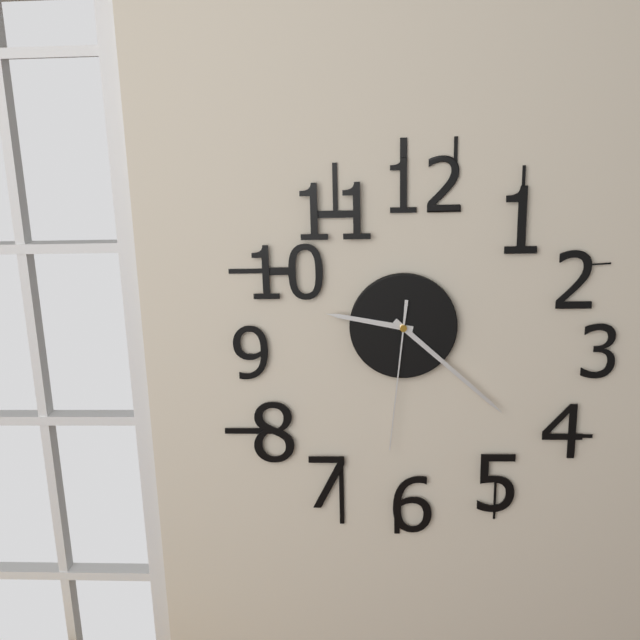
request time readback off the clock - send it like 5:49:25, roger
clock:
9:22:31
